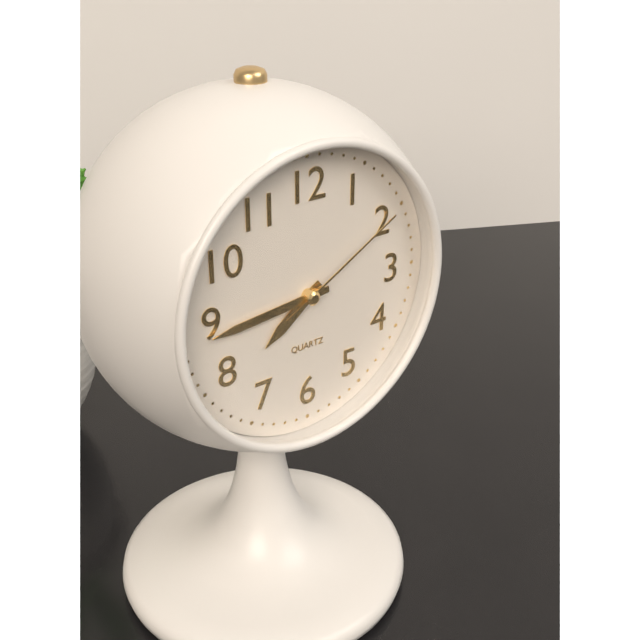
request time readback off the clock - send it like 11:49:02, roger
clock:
7:44:10
